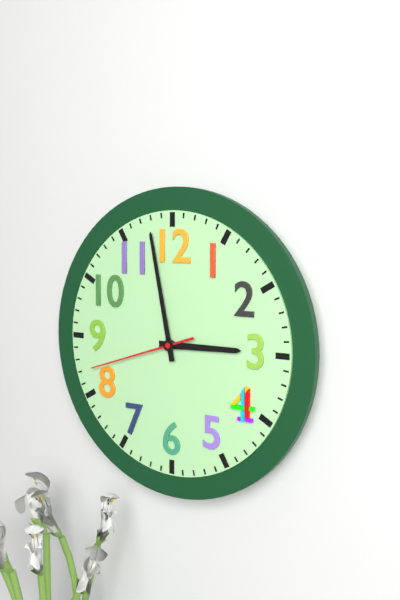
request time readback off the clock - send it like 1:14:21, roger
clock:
2:58:42
